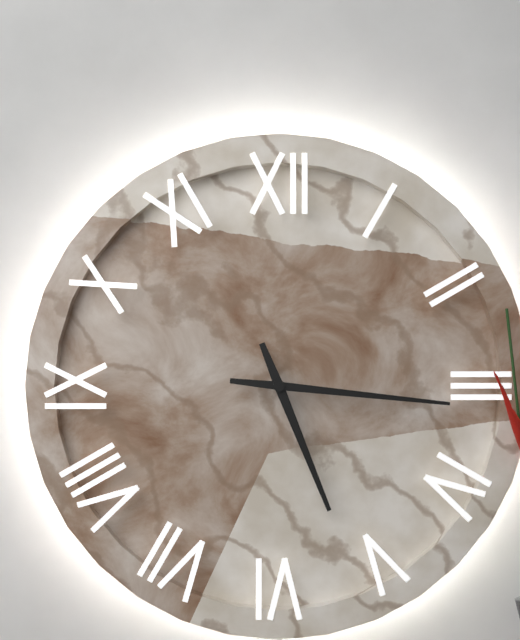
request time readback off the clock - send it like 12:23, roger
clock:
5:16
